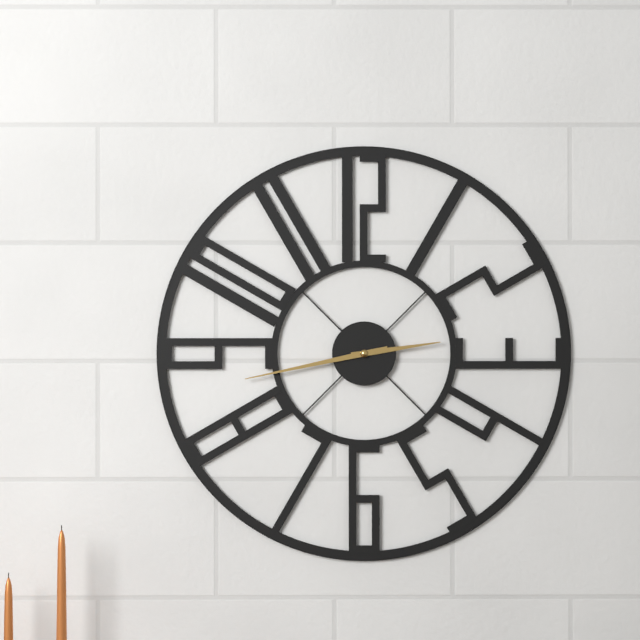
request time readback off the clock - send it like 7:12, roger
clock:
2:43
